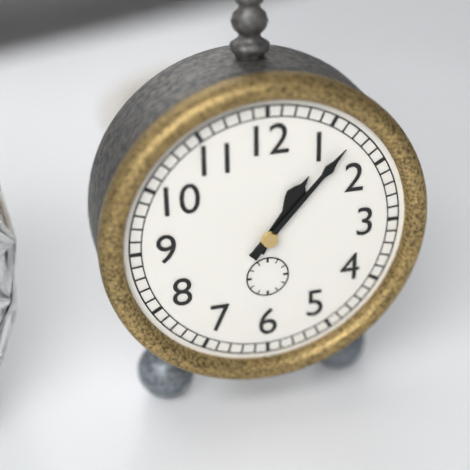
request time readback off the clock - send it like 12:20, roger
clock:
1:07
